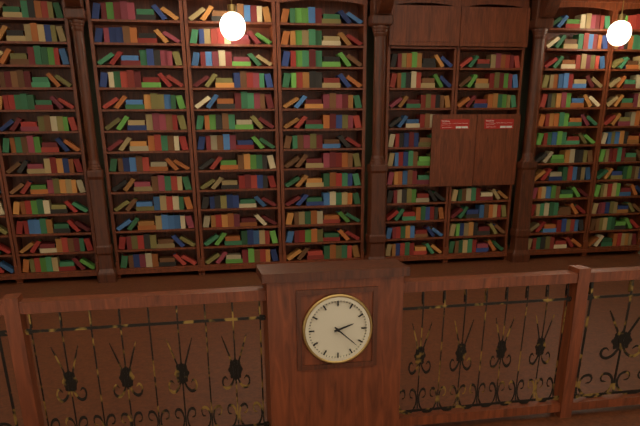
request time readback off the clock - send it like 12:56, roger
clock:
2:22
